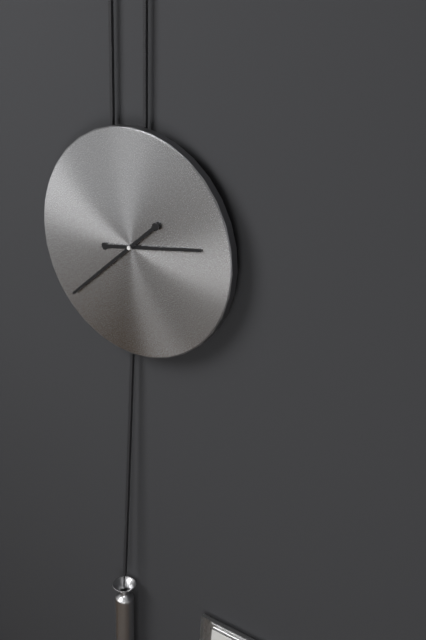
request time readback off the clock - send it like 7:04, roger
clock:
2:38
